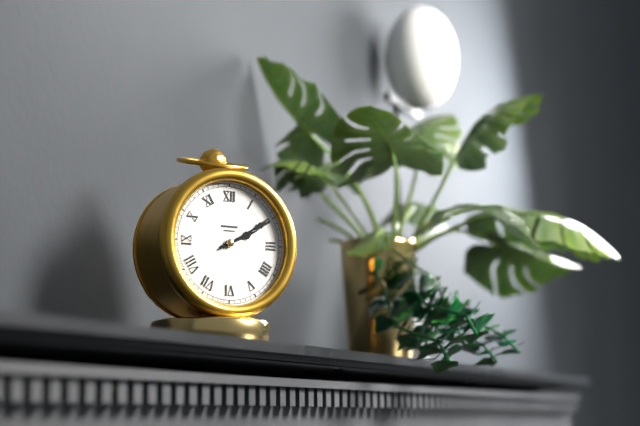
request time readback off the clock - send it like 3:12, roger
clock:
2:10
